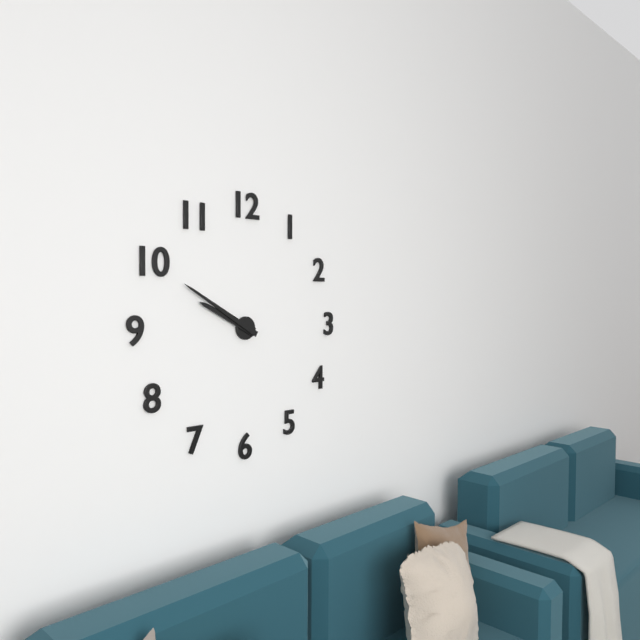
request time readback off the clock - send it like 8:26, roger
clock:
9:50
